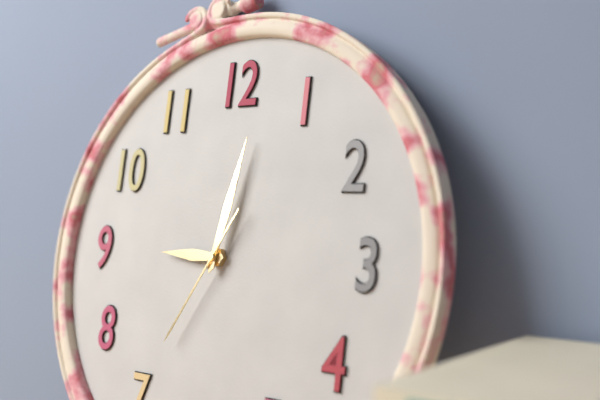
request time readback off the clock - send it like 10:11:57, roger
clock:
9:02:35
